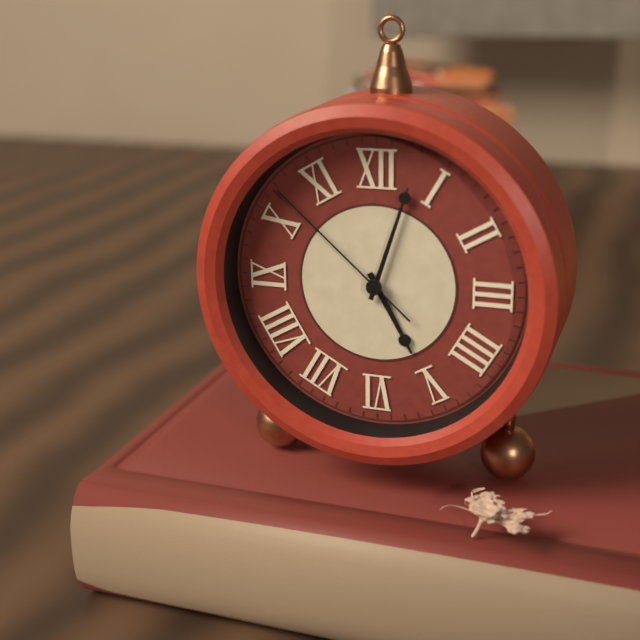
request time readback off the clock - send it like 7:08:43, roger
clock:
5:03:52
